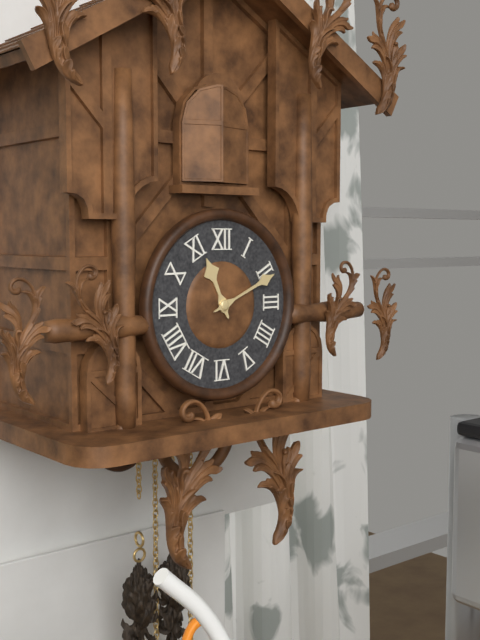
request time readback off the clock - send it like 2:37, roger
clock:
11:11
